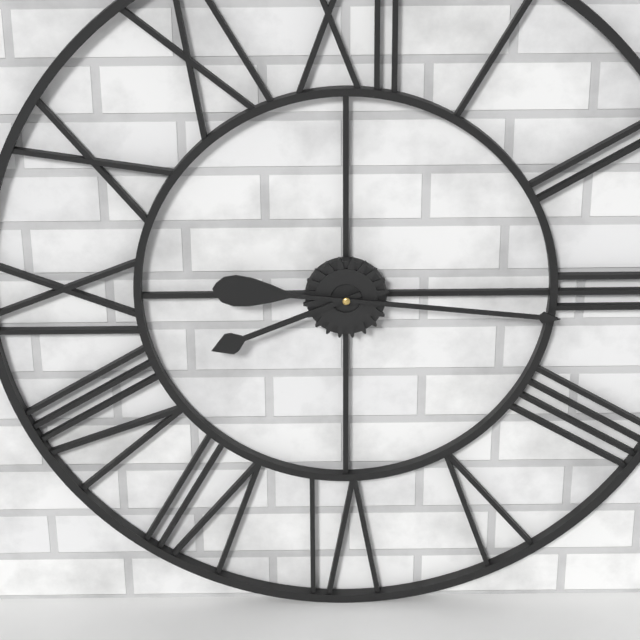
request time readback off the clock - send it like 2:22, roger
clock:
8:16
